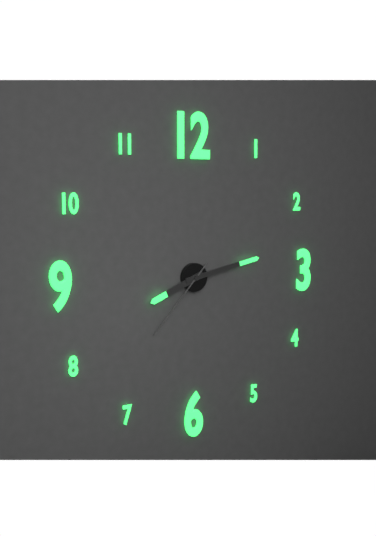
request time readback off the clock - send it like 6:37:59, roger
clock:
8:13:37
